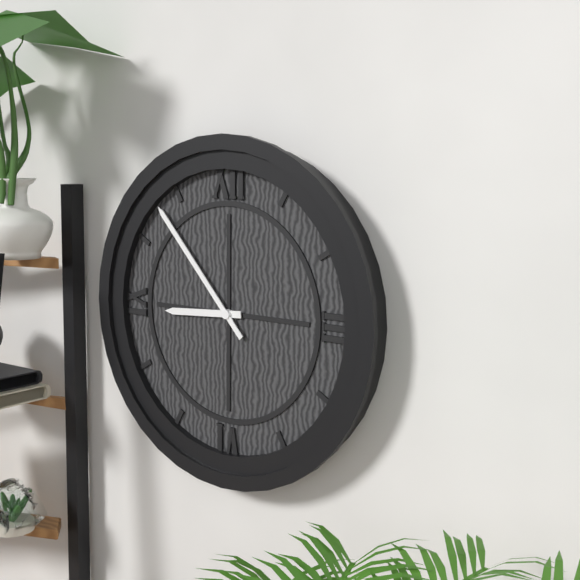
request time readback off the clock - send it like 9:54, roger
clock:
8:53
